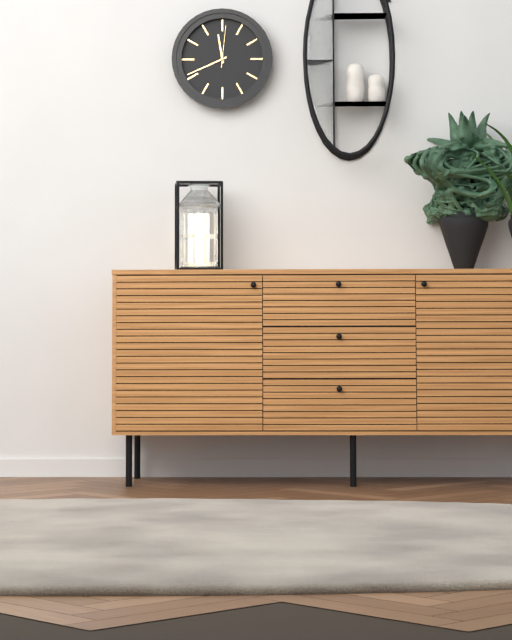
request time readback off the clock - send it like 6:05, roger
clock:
11:41
